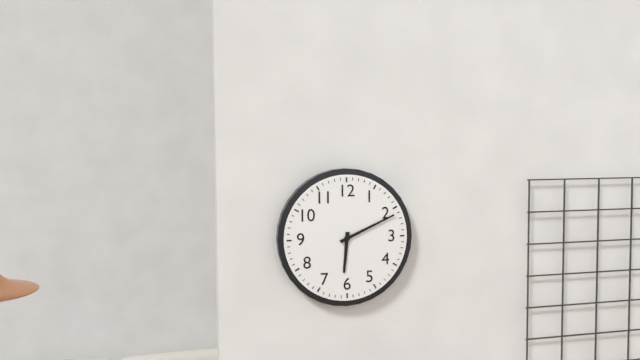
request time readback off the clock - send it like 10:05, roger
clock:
6:11
